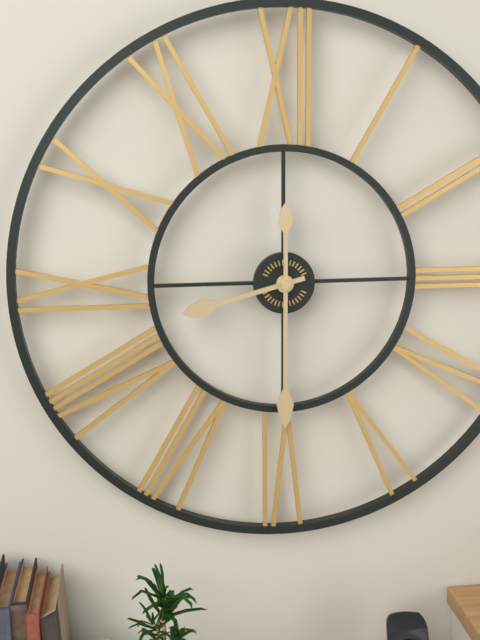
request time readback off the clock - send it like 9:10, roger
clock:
8:30
